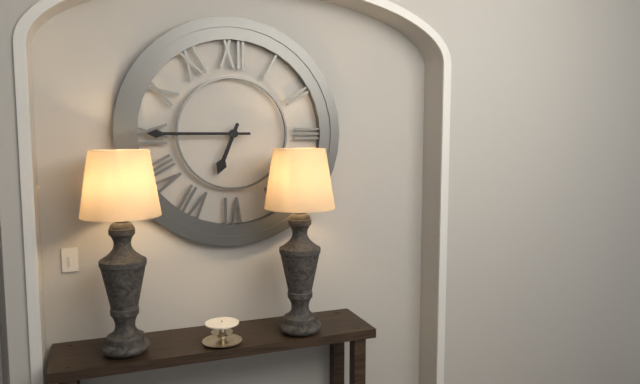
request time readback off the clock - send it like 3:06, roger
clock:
6:45
